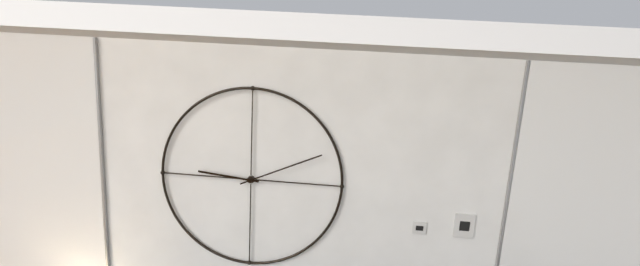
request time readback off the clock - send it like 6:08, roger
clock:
9:11
